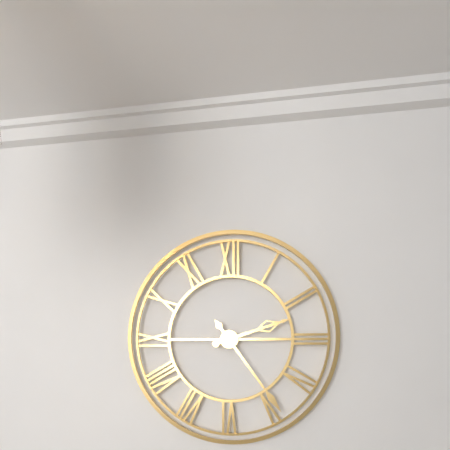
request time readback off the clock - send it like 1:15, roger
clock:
2:24
